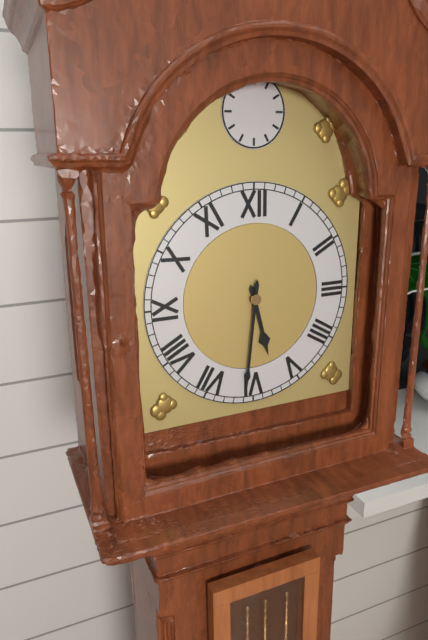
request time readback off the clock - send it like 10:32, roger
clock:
5:31
